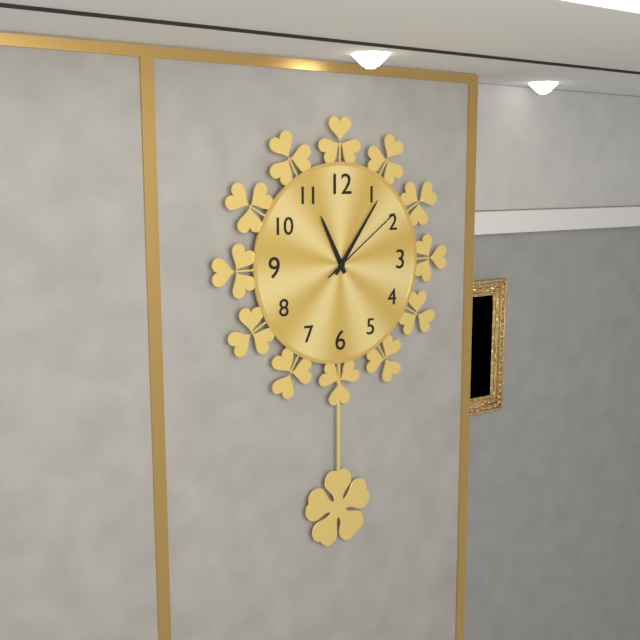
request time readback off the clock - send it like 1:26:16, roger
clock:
11:06:09
